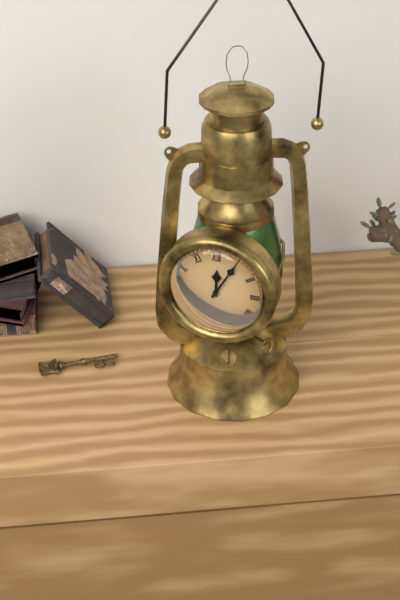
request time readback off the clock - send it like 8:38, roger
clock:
12:05
